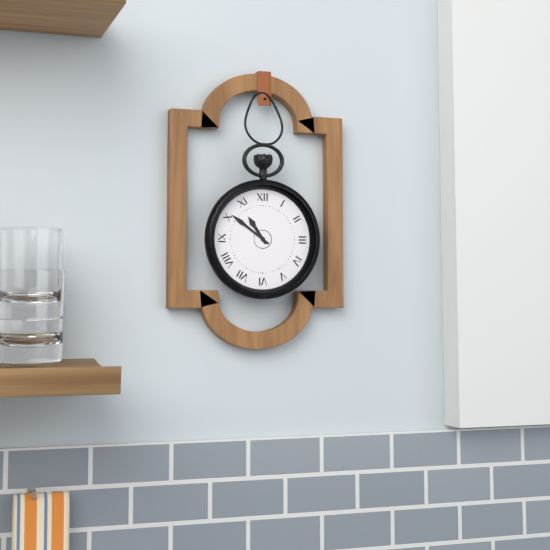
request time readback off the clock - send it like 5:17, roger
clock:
10:51
